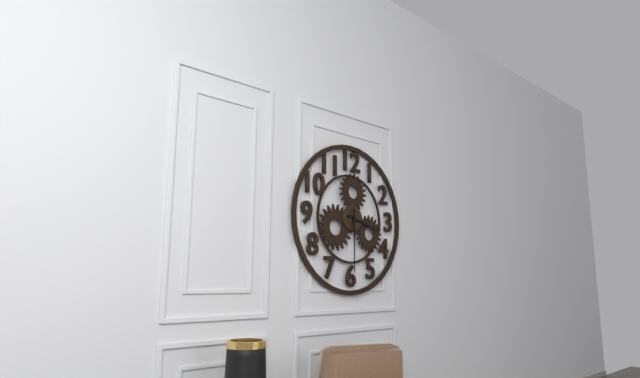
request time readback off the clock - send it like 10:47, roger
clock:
3:30
